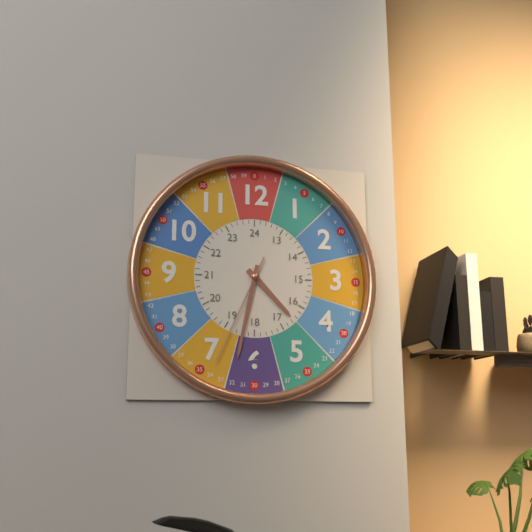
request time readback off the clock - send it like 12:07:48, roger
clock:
4:32:34
